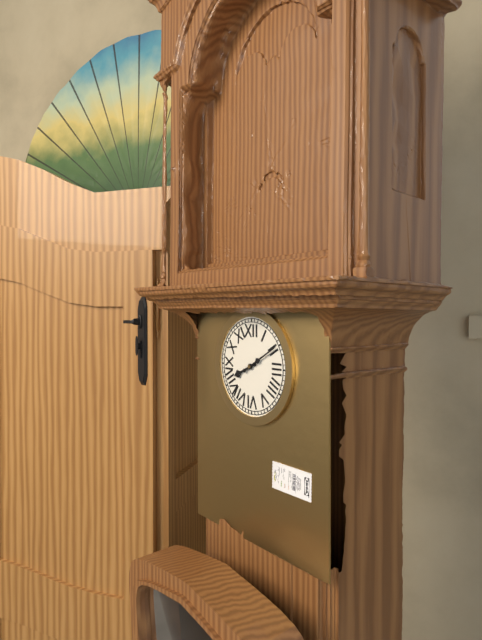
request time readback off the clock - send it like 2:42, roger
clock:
8:10
